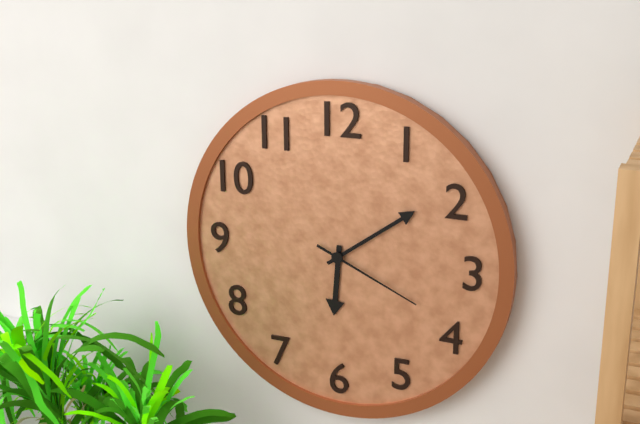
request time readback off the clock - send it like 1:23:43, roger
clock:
6:09:19
